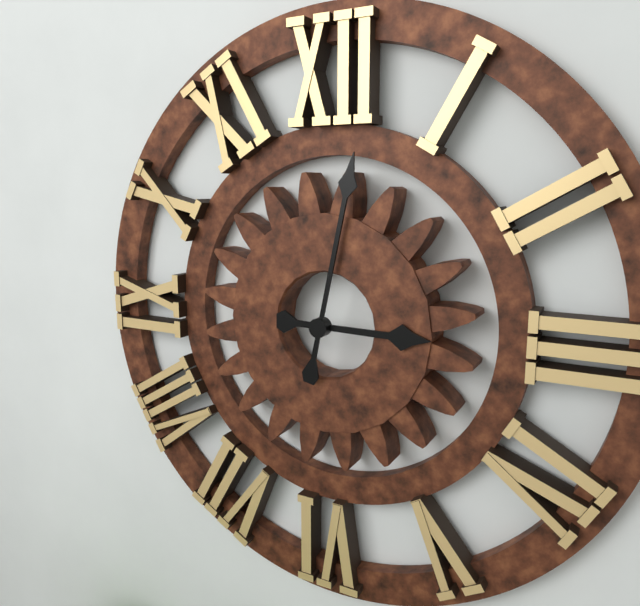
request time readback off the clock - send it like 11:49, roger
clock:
3:02
